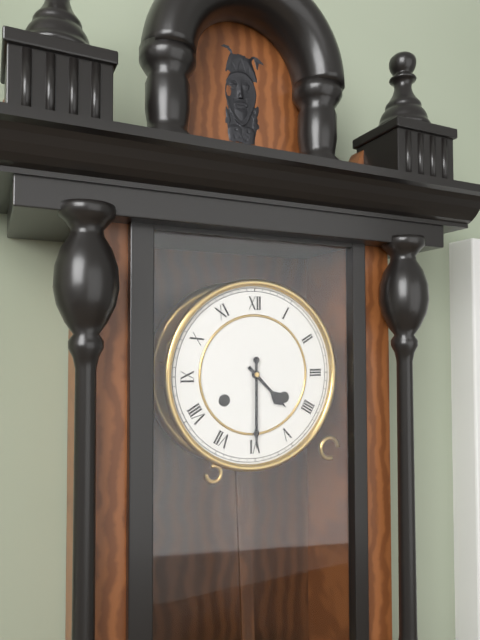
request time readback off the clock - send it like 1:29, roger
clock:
4:30
